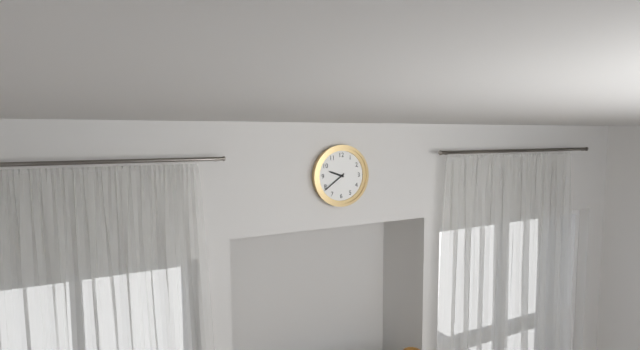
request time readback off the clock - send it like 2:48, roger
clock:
9:39
